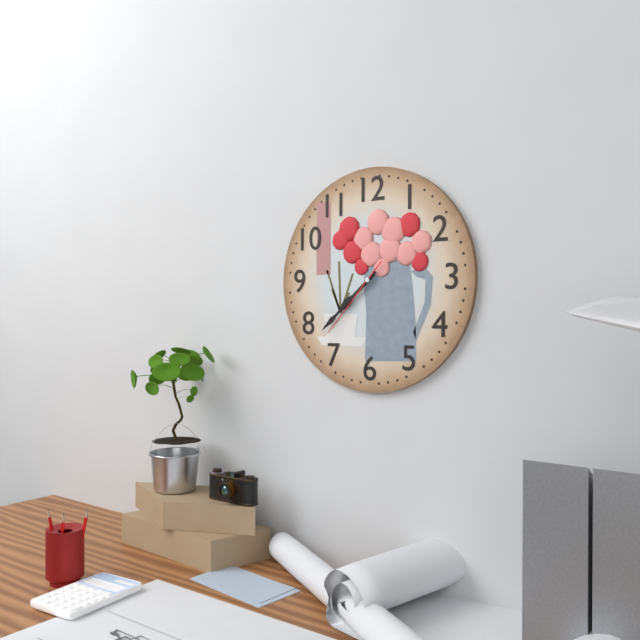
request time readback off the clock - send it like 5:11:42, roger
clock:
7:38:37
